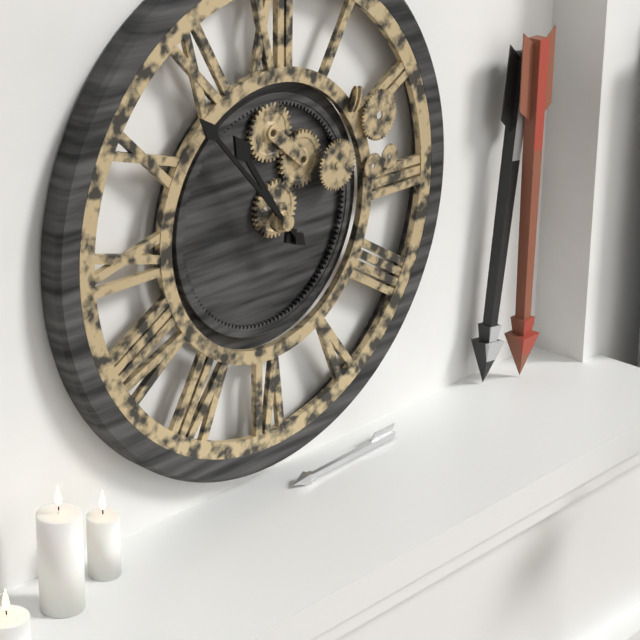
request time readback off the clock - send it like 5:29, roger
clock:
10:53
